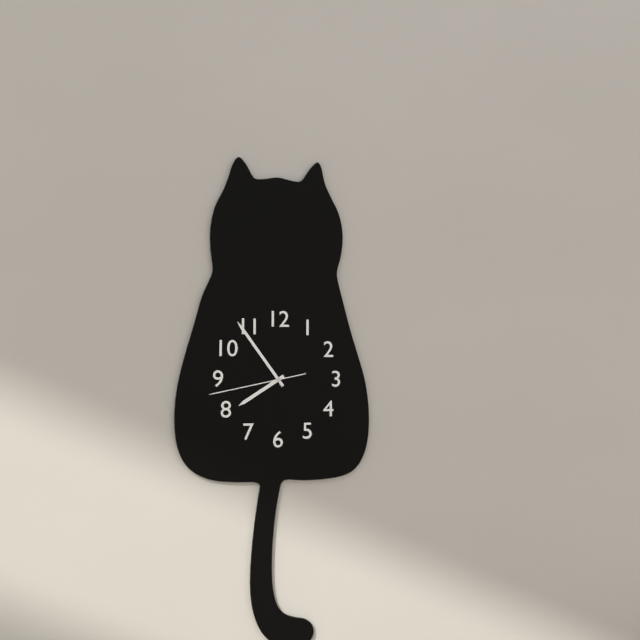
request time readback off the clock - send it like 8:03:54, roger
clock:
7:54:43
